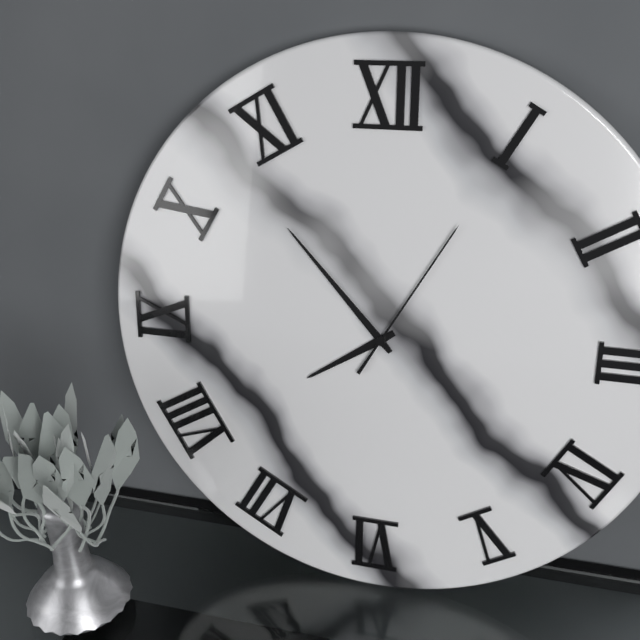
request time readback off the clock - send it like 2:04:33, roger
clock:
7:53:05
